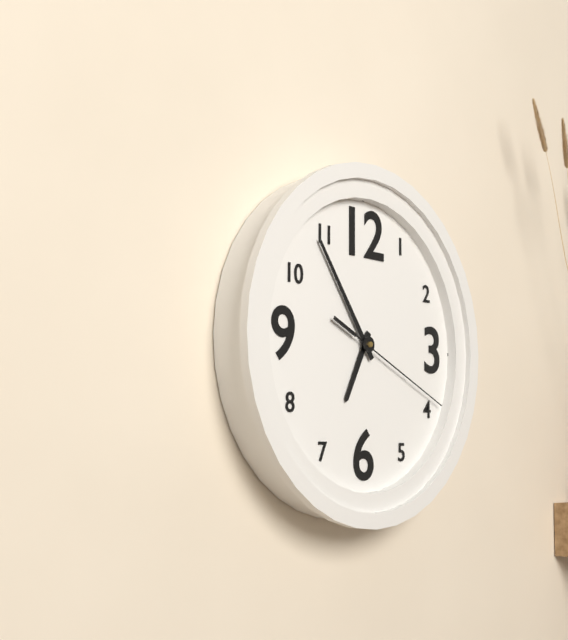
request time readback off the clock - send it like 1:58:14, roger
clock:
6:54:19
